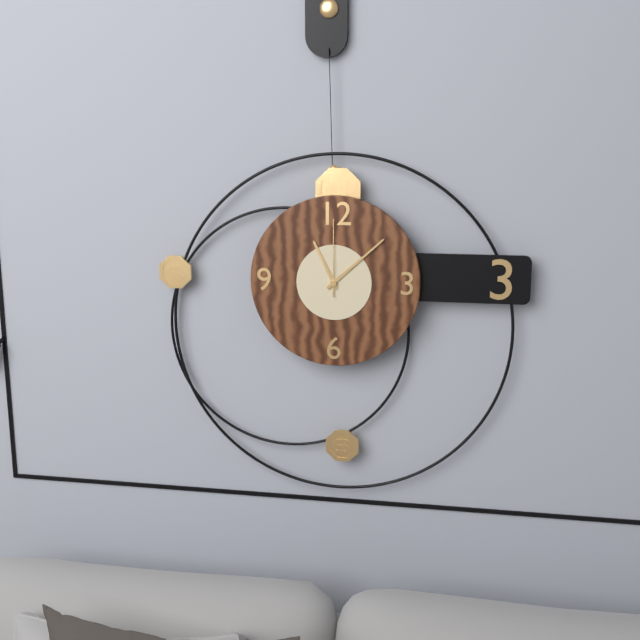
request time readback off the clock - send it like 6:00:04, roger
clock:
11:08:00
